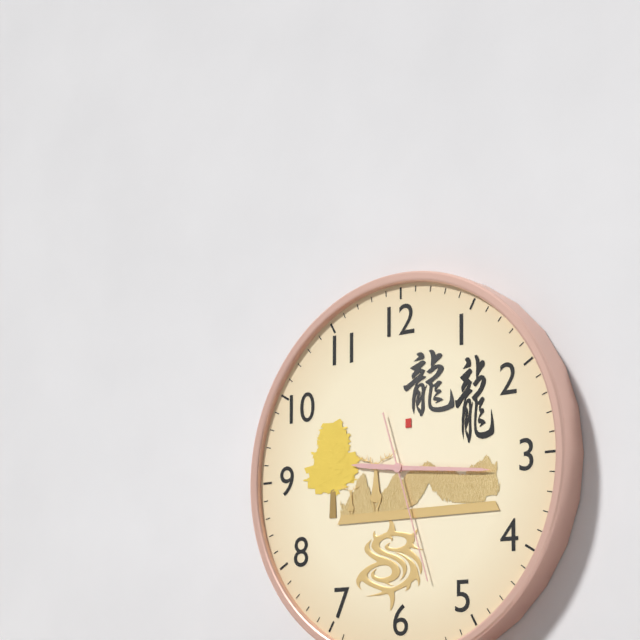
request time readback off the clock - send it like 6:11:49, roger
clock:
9:16:27
